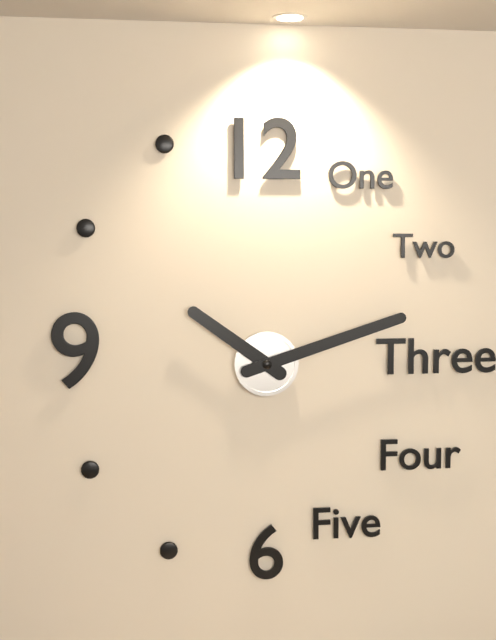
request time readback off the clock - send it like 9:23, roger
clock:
10:12
